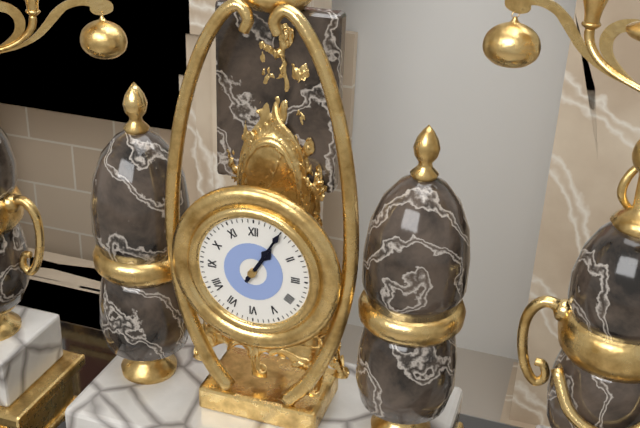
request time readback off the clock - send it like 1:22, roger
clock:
1:05
